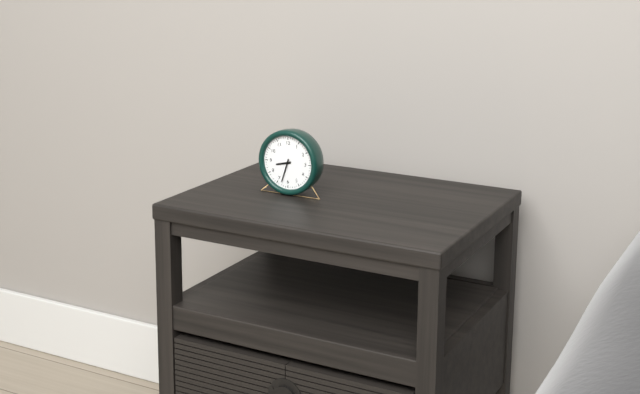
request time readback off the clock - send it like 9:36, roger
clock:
8:33
